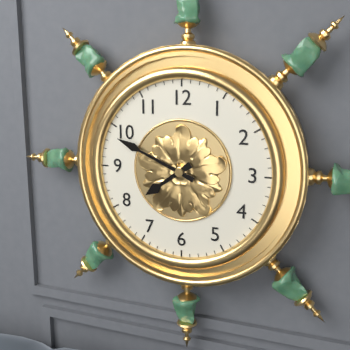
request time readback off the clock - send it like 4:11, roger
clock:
7:49
